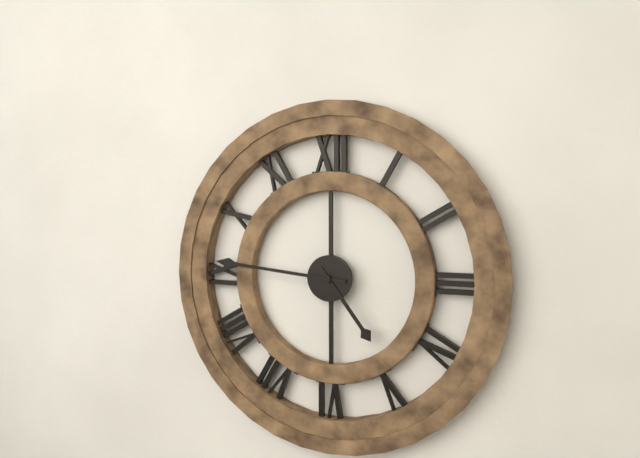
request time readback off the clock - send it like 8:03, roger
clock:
4:46
